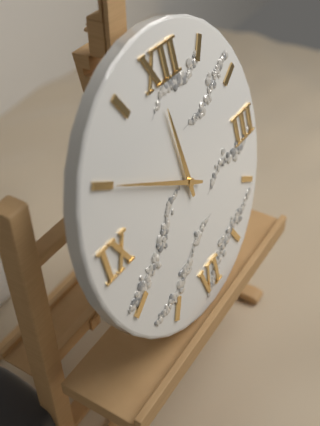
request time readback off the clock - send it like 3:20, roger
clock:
11:50
